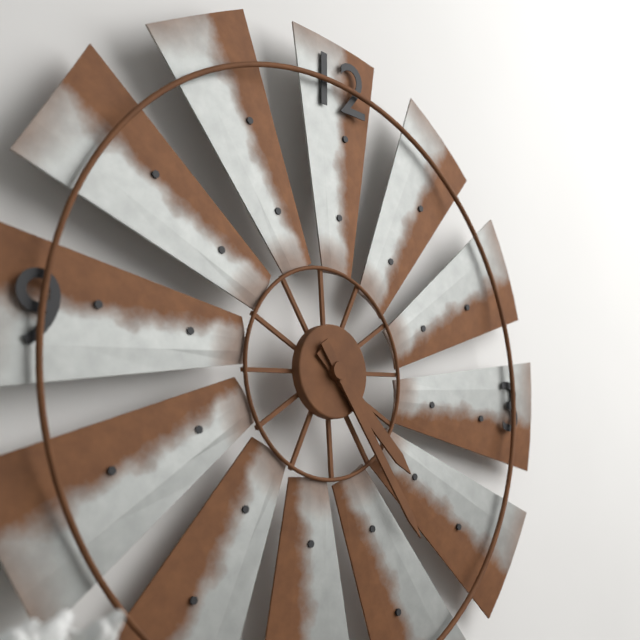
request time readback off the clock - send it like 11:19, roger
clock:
4:24
